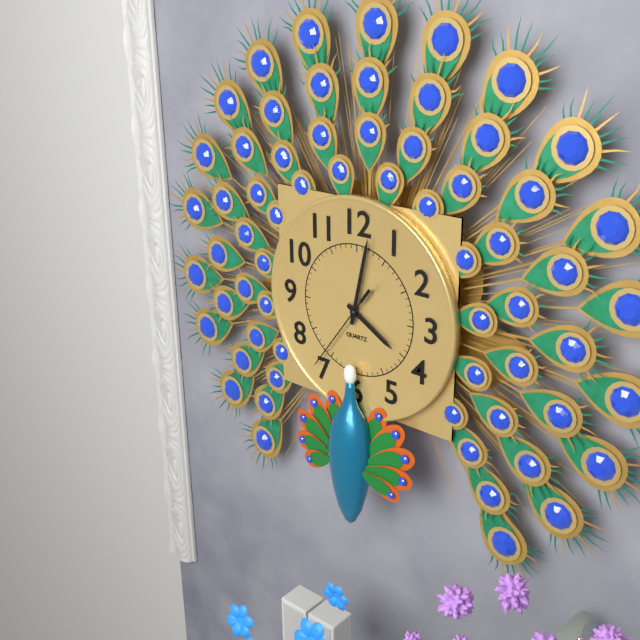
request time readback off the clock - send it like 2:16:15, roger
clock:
4:02:36
